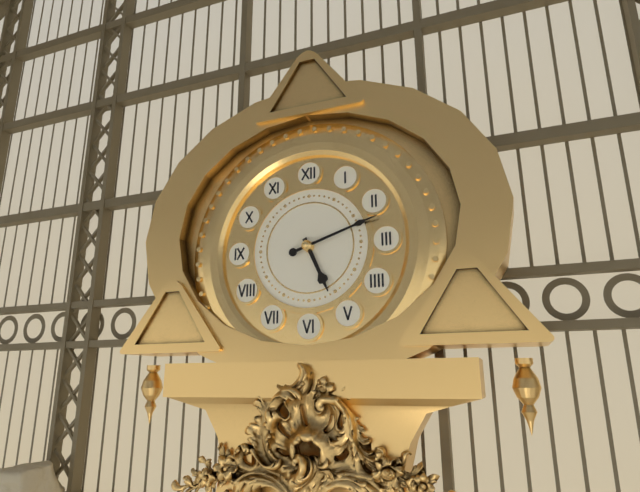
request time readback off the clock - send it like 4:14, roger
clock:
5:12
